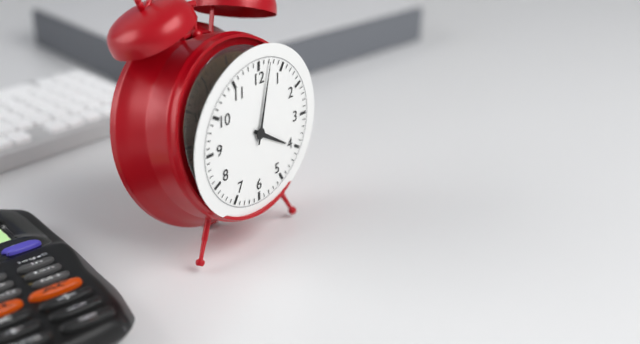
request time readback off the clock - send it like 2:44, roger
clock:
4:02
